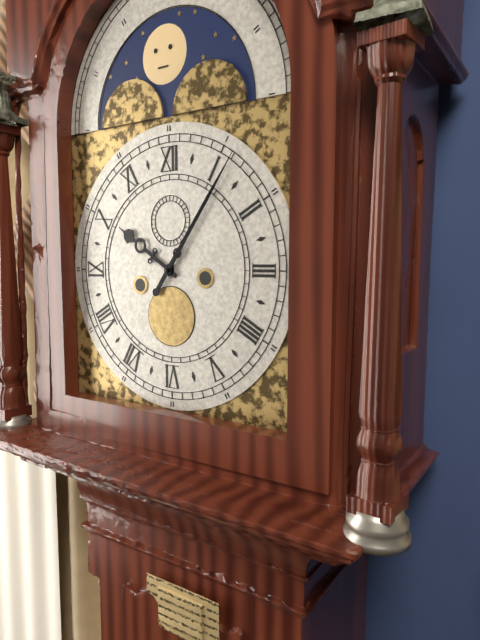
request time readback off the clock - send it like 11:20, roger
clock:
10:06
